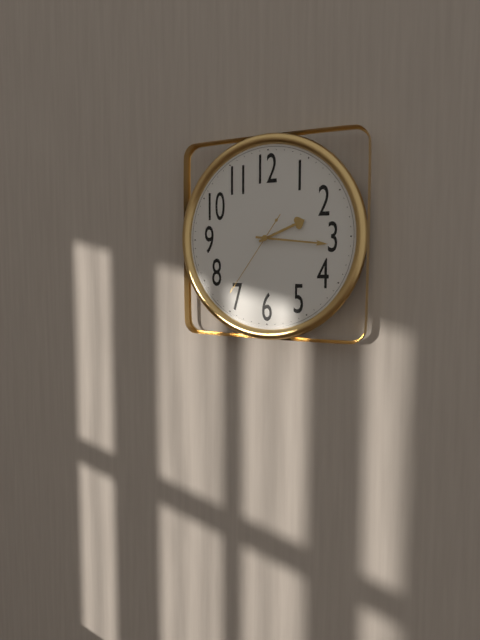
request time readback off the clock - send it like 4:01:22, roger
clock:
2:16:36
